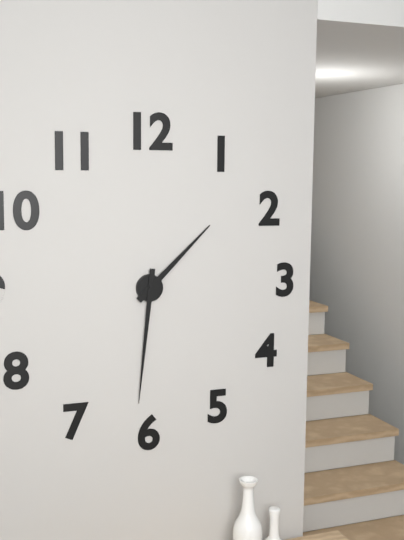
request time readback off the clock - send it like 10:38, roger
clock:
1:31
